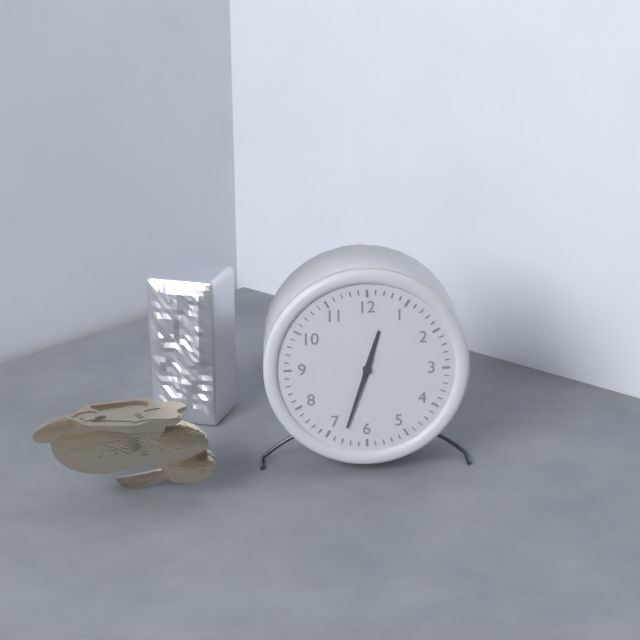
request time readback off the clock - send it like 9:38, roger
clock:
12:33
